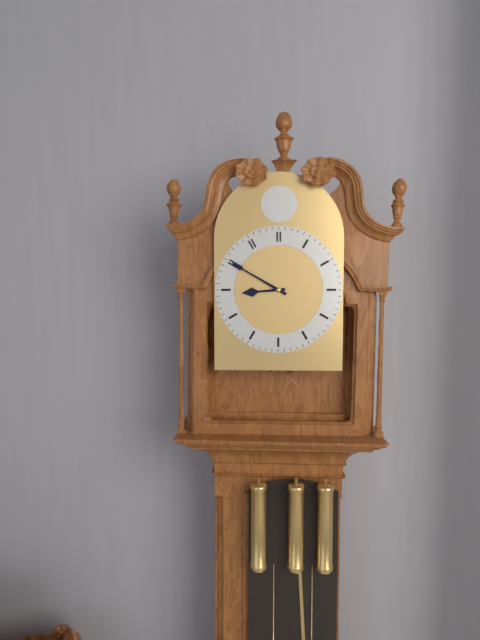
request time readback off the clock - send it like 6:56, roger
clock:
8:50
